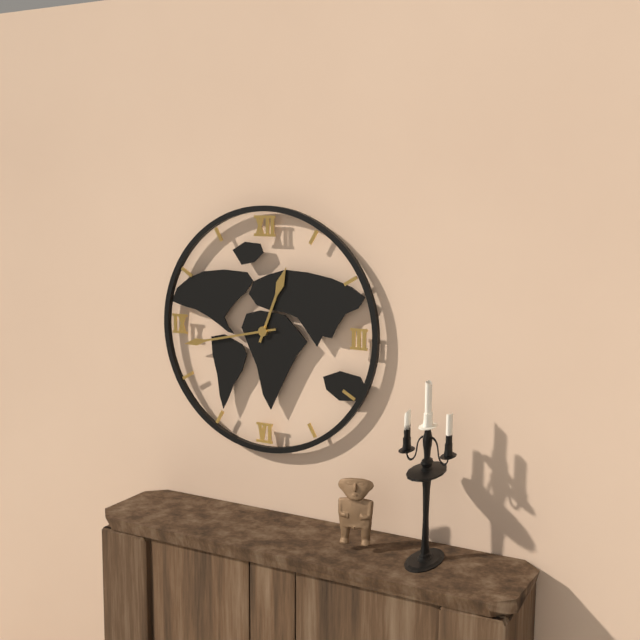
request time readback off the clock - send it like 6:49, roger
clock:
12:43
